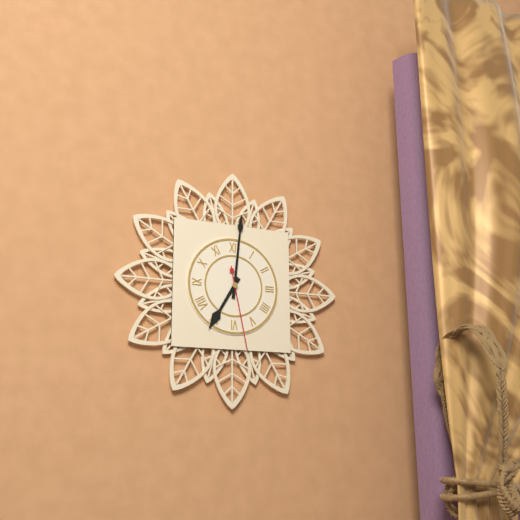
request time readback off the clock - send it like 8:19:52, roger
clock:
7:01:28
